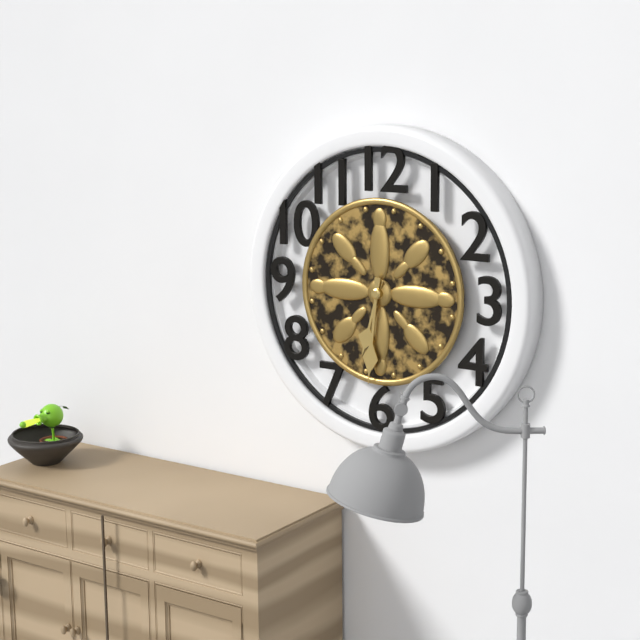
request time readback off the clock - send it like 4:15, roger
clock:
6:31
